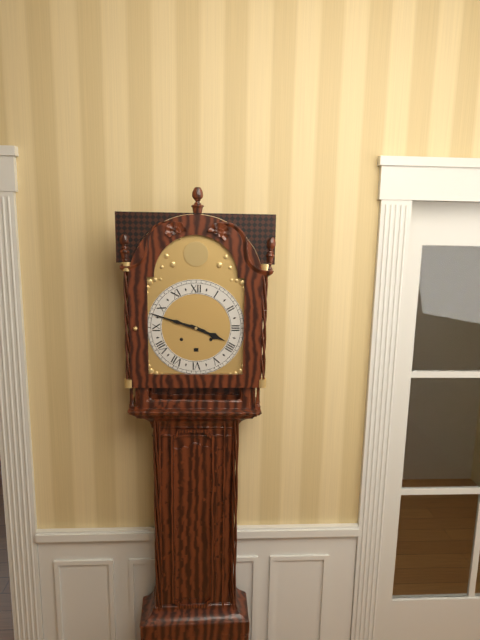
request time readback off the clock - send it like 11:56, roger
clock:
3:48
